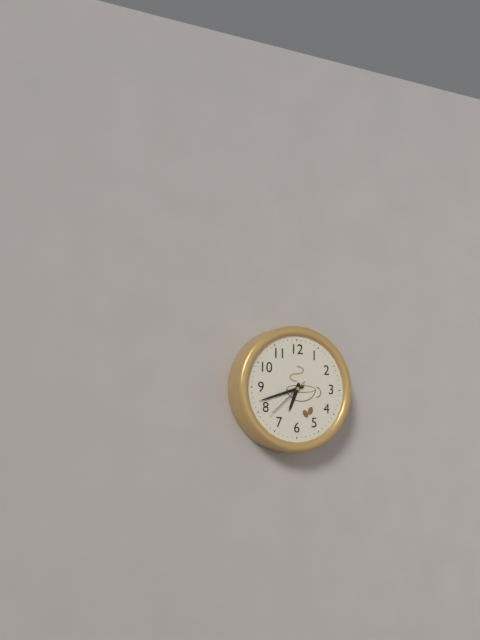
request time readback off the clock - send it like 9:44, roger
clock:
6:42
